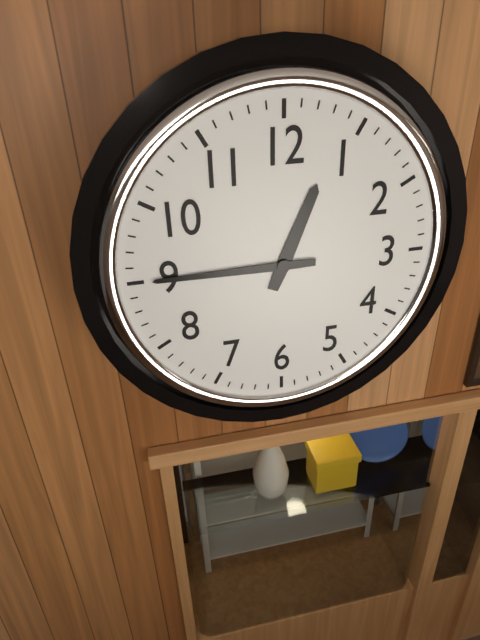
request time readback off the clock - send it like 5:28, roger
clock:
12:45
